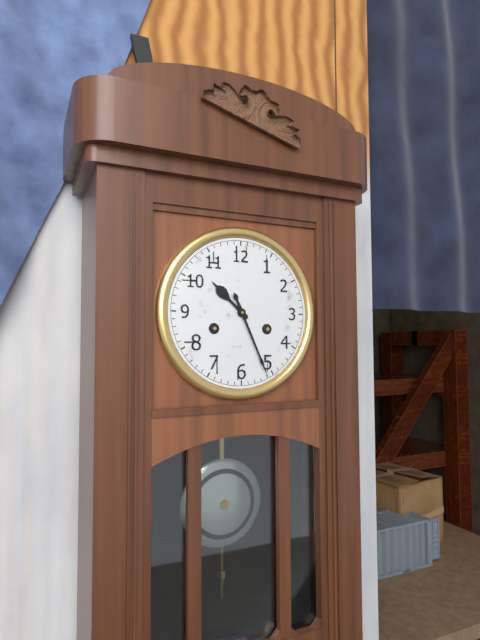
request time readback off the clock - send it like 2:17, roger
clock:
10:26
